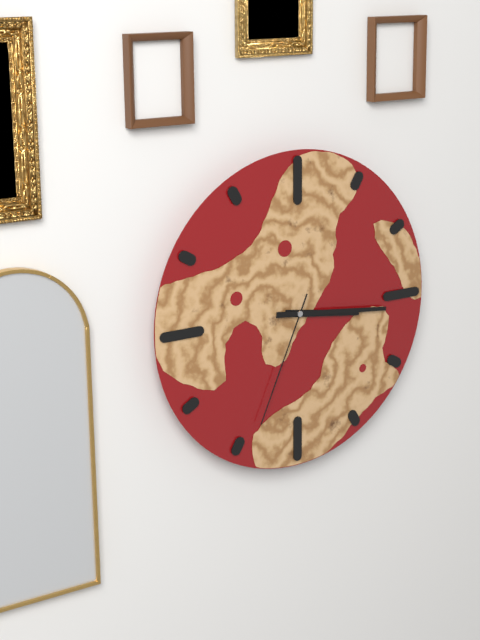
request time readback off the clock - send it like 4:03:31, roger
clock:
3:16:34
